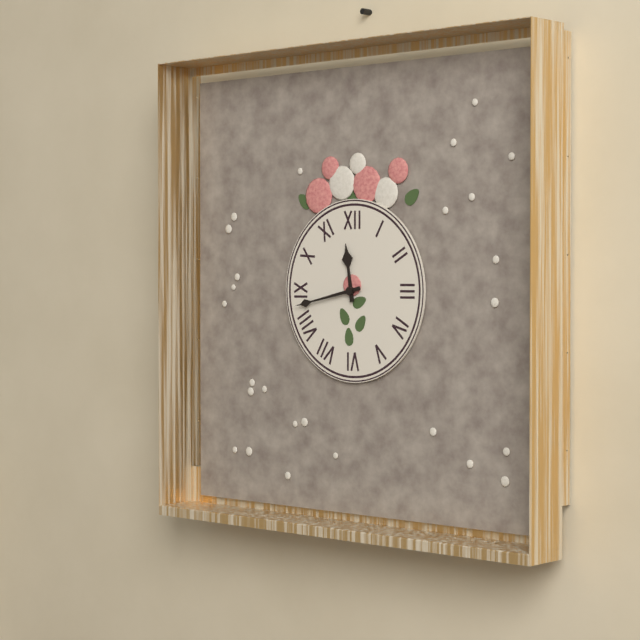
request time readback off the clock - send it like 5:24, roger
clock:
11:43
